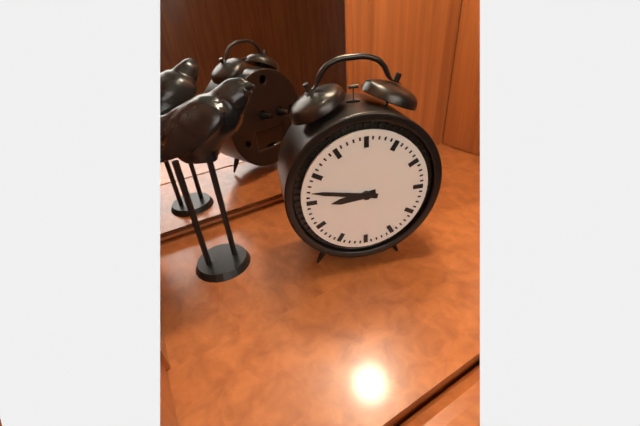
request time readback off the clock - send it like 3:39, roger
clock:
8:47
